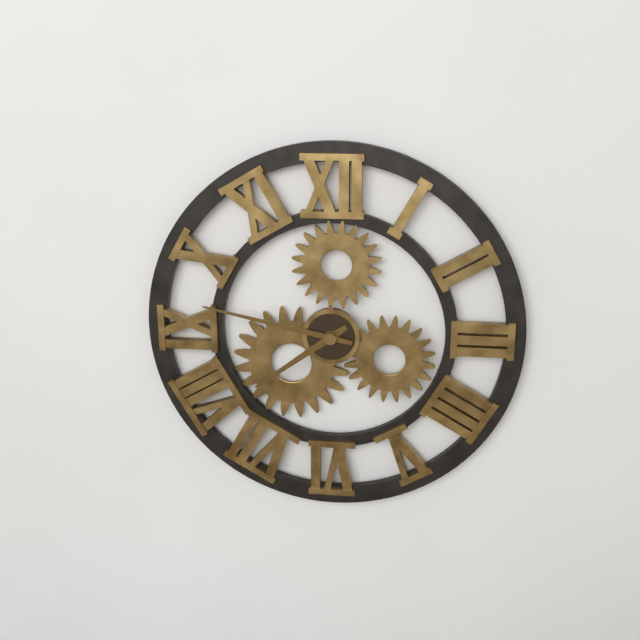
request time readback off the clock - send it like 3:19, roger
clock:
7:47
